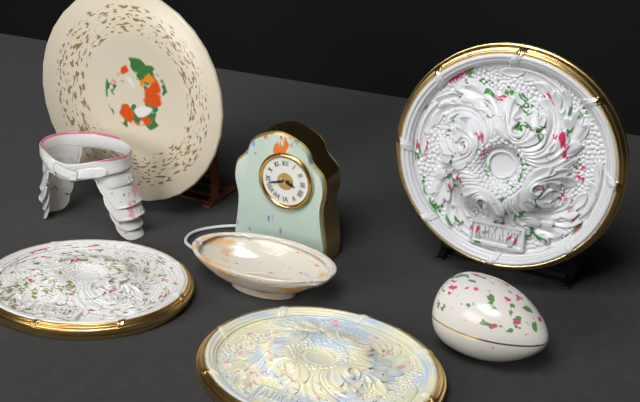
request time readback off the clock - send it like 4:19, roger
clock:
3:43
